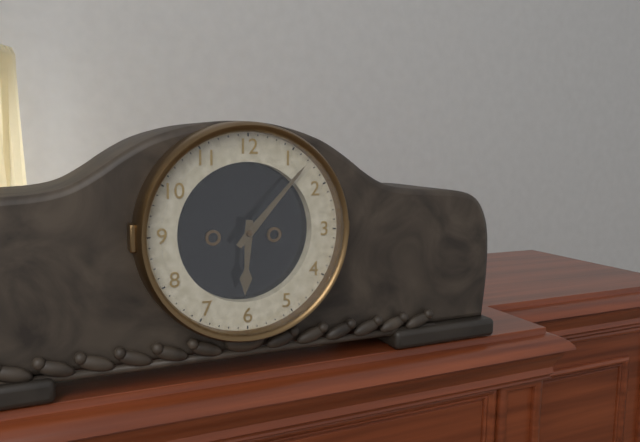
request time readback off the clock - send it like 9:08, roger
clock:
6:07
